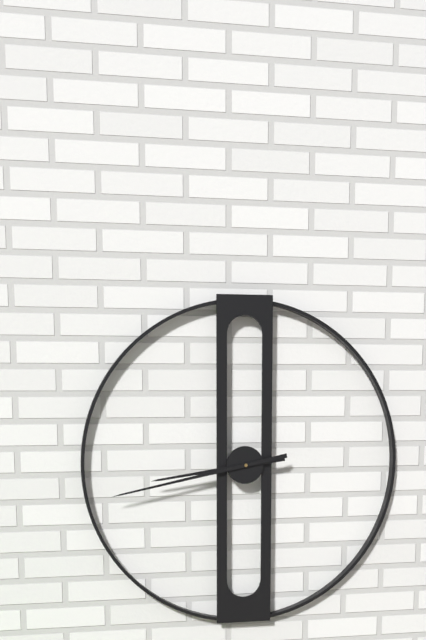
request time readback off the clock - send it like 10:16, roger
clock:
8:43
